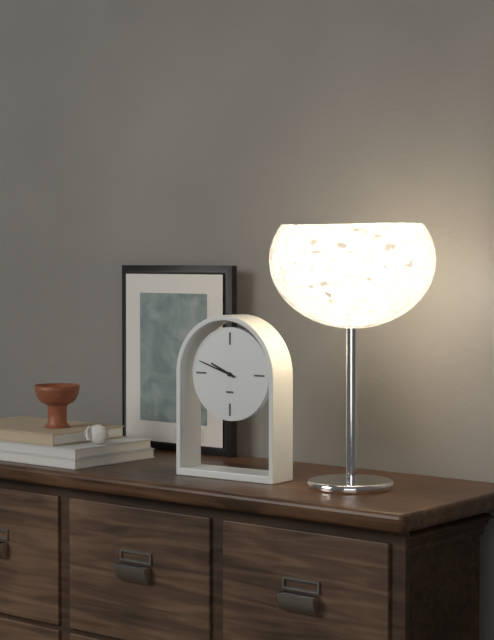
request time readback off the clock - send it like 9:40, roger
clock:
9:48
